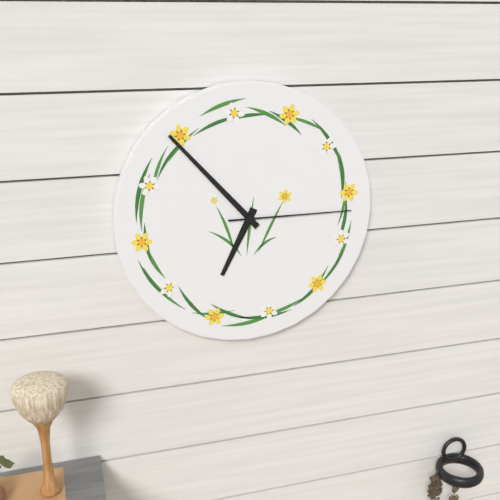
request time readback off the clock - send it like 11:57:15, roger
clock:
6:53:15
